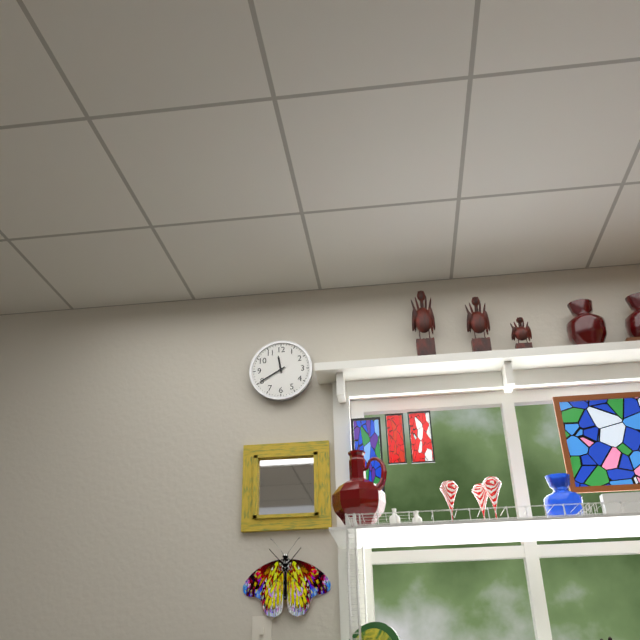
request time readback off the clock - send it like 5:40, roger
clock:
11:40
